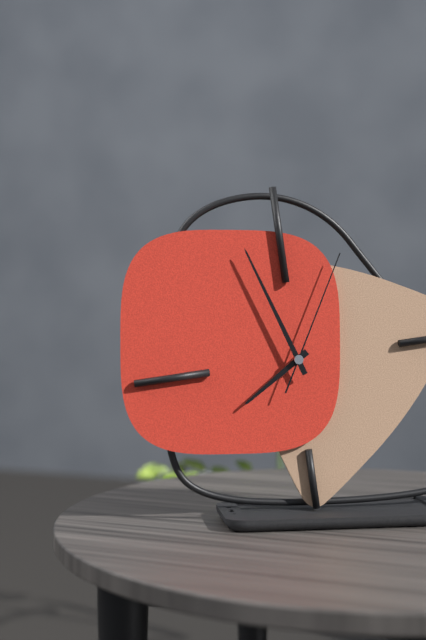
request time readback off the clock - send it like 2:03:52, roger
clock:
7:57:05
